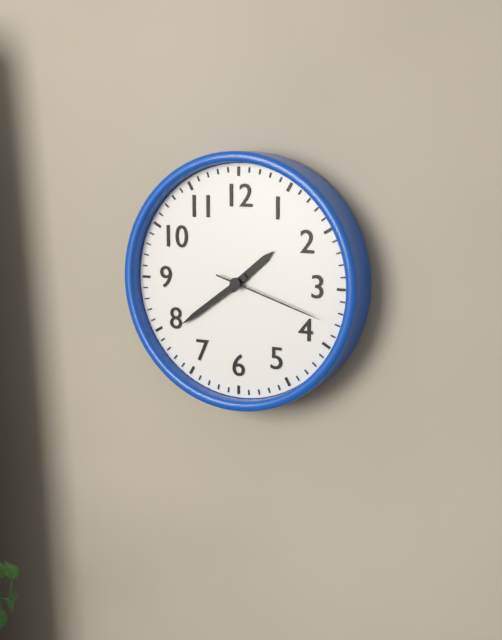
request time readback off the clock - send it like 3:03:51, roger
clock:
1:39:18
